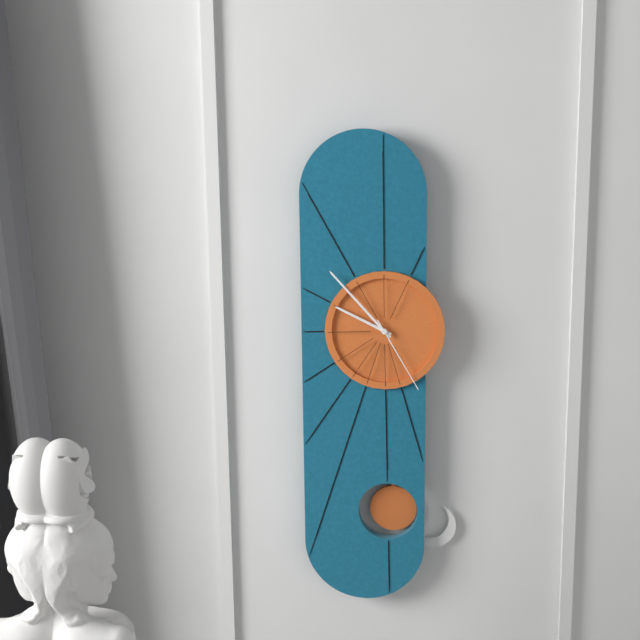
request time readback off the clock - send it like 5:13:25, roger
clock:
9:53:25
